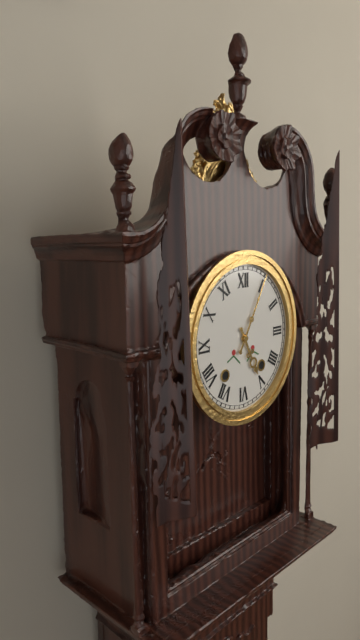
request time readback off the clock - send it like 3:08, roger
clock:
5:05
